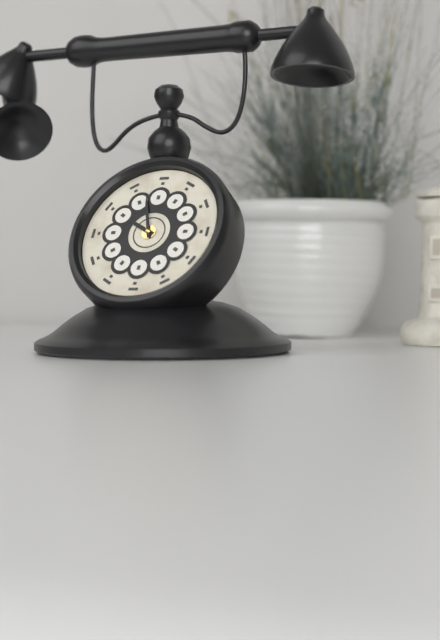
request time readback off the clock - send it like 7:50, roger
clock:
9:57
